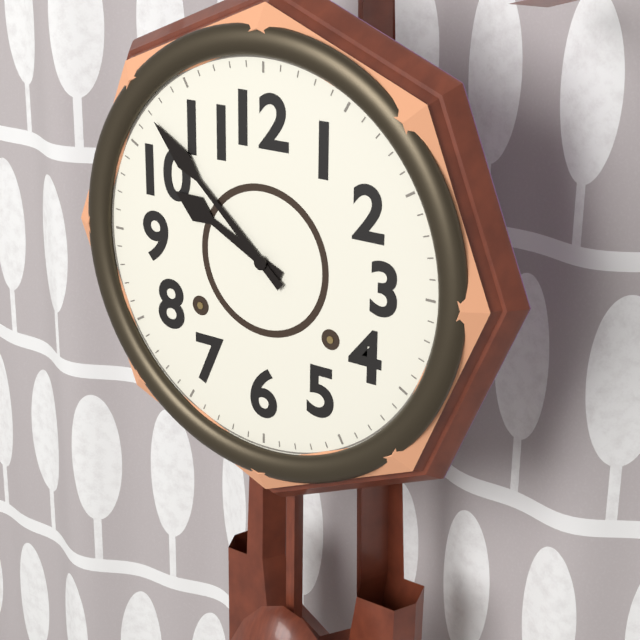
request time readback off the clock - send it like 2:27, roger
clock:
9:52
